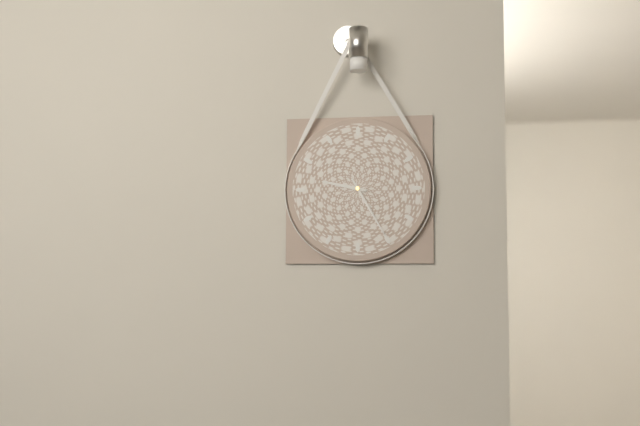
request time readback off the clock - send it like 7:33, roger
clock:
9:25
